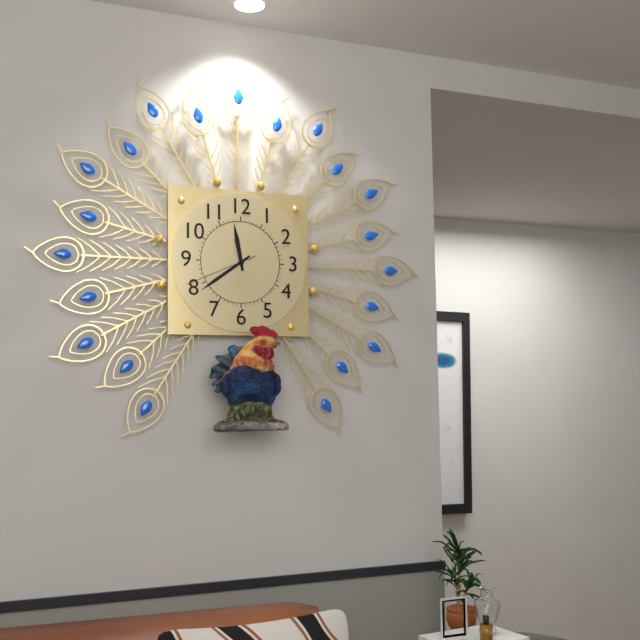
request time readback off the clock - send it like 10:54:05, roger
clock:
11:39:41
